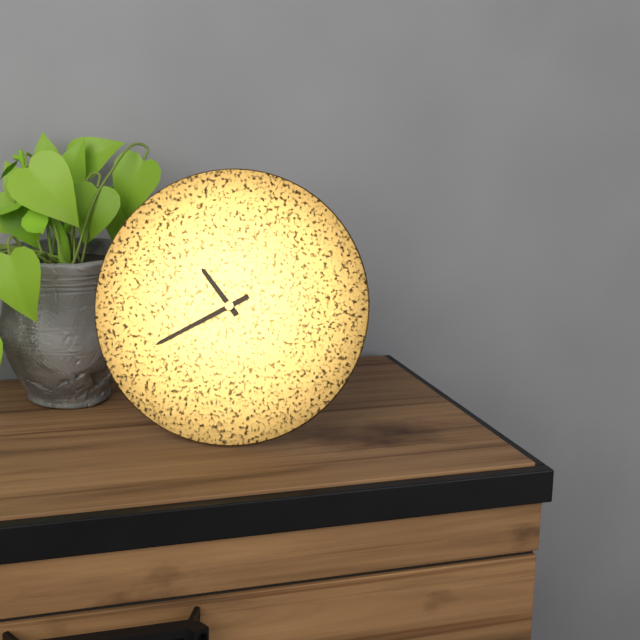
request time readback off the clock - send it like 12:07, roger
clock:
10:40
